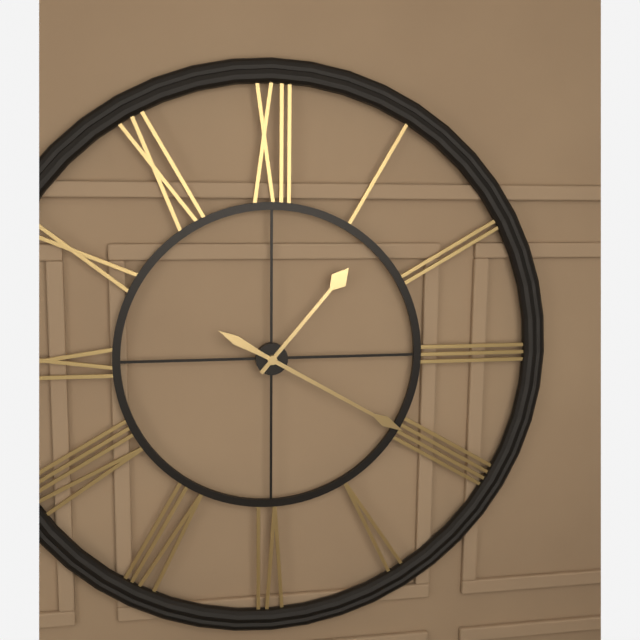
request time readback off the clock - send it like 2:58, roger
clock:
1:20
